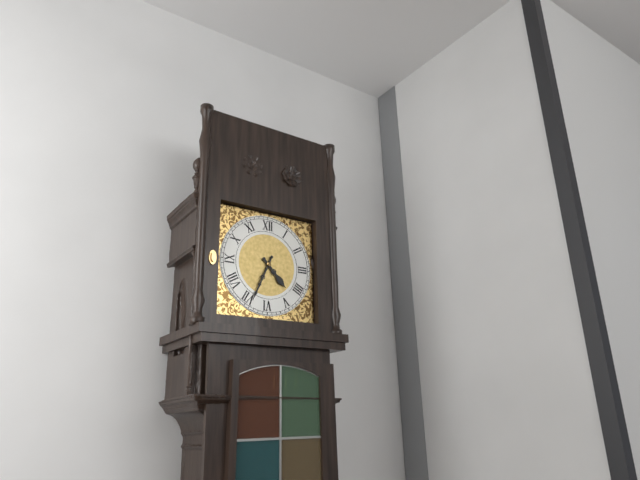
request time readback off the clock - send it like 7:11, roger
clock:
4:34
